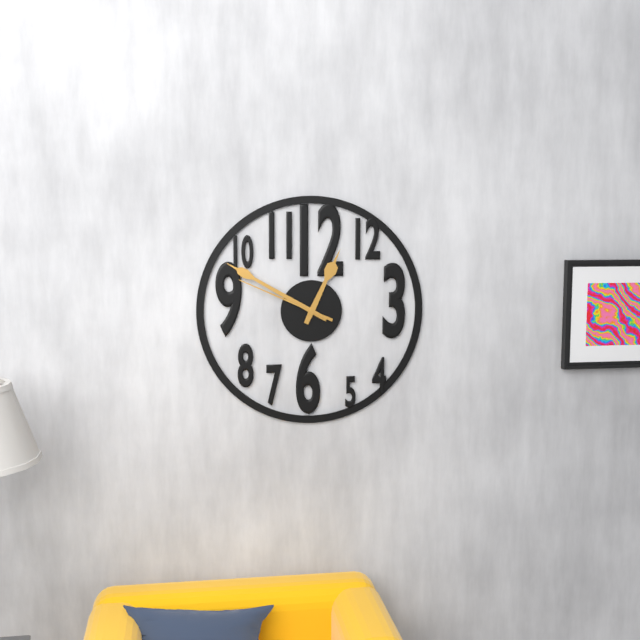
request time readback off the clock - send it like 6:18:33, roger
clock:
12:50:49
